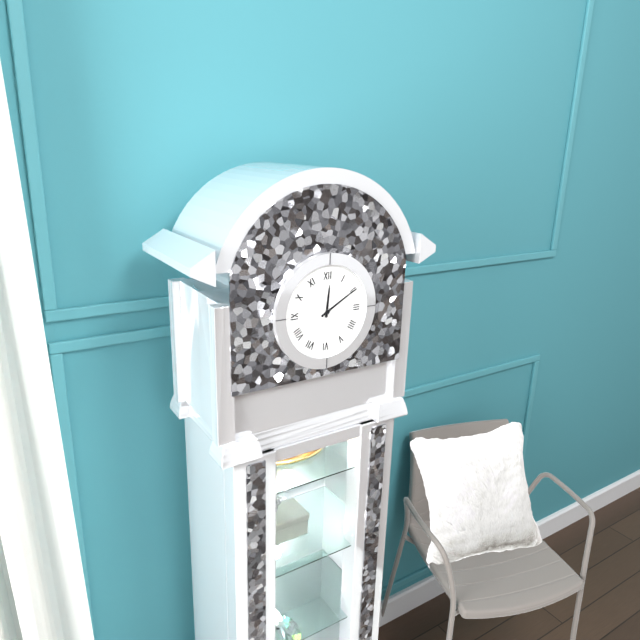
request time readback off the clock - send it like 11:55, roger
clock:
12:10
